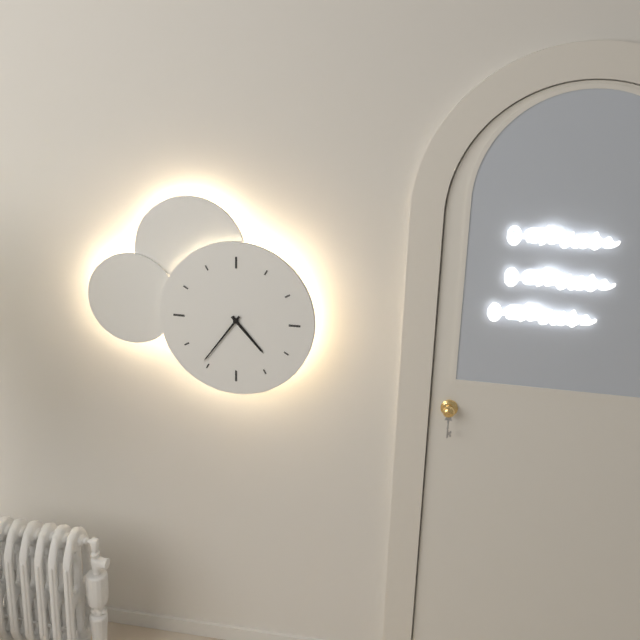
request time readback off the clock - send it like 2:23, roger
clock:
4:36
